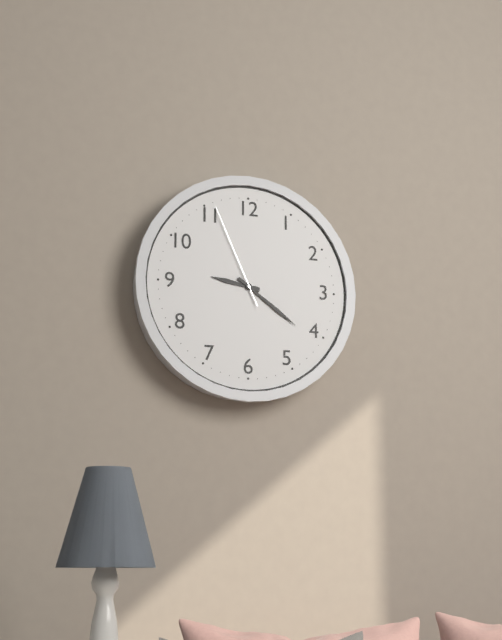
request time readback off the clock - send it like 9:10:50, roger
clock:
9:21:56
